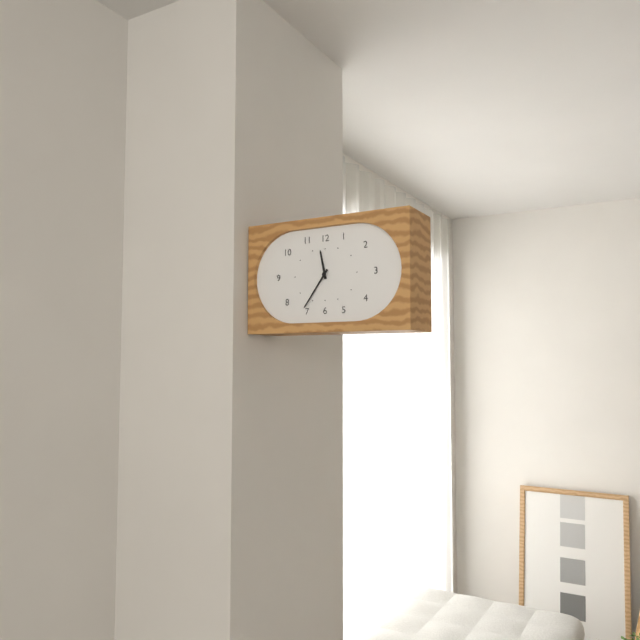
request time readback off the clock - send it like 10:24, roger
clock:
11:36
